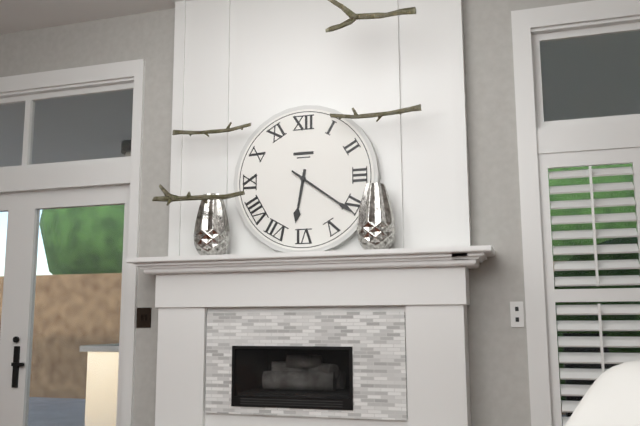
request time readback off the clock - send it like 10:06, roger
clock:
6:21
